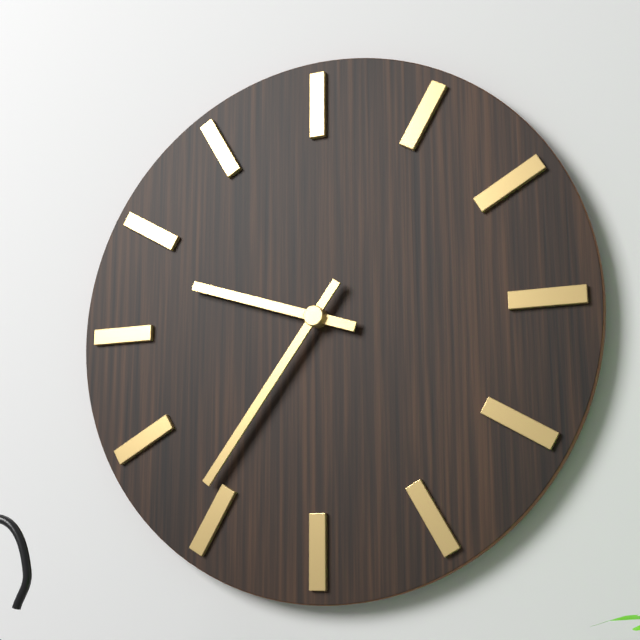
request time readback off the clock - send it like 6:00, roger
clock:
9:36
